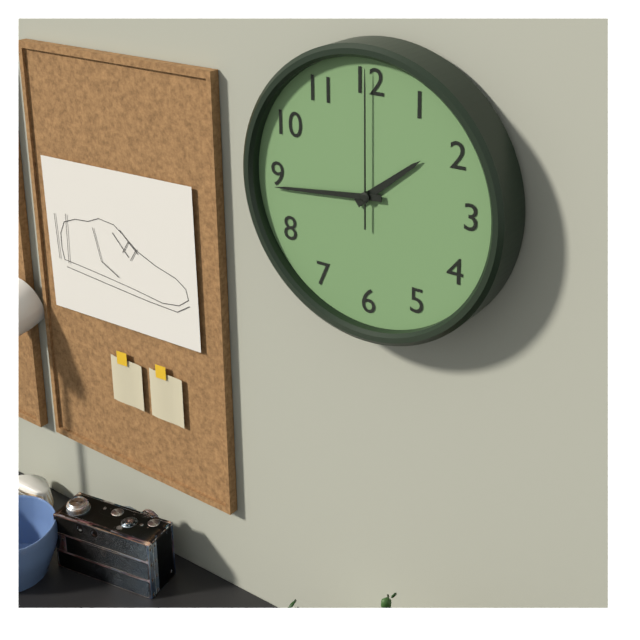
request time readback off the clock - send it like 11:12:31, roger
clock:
1:44:00
